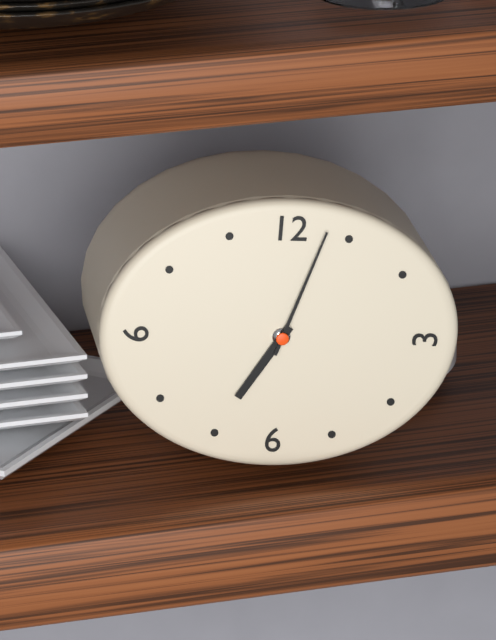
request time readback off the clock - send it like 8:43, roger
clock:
7:03
